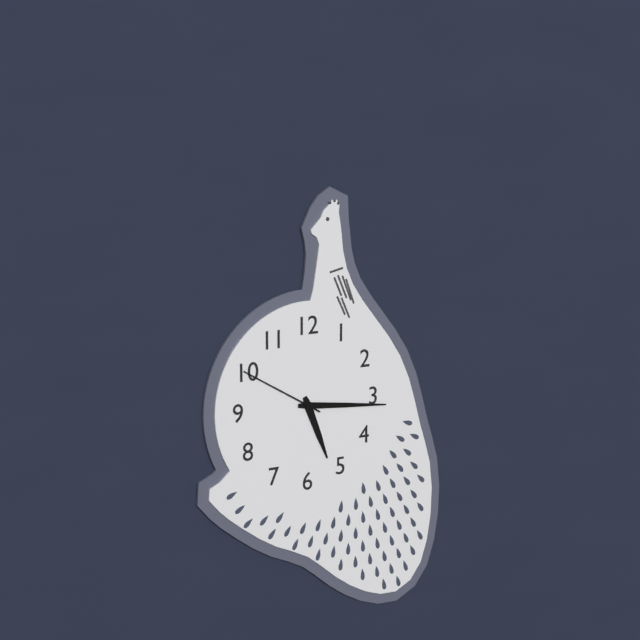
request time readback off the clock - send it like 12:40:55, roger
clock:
5:16:50
